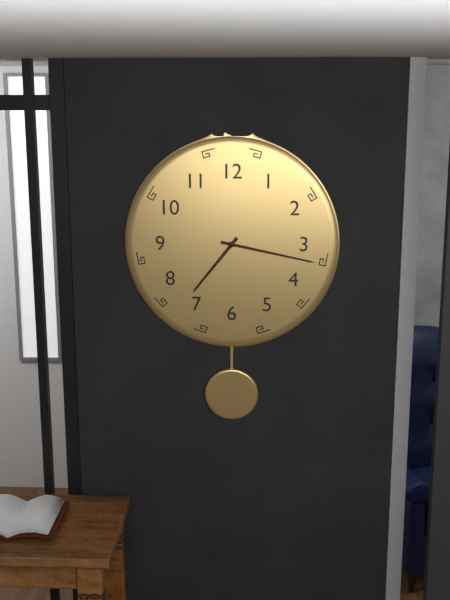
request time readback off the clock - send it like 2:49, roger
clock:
7:17
